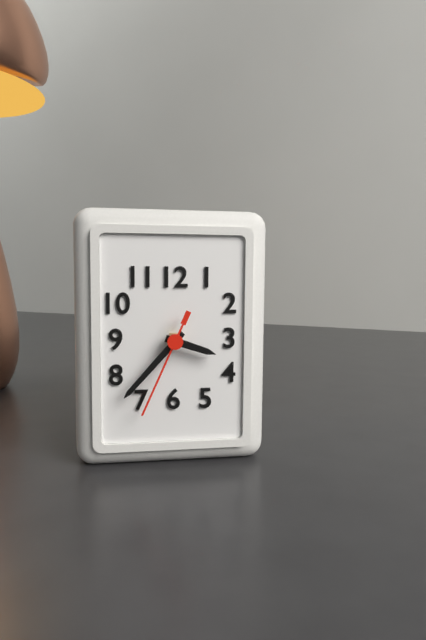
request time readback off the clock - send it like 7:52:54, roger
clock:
3:37:34
